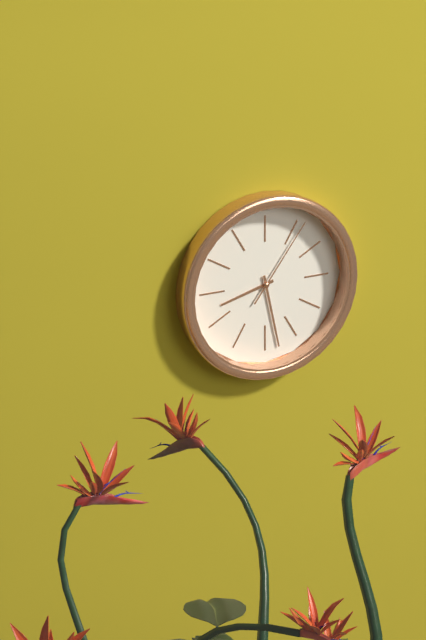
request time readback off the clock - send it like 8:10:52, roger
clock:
8:28:06
